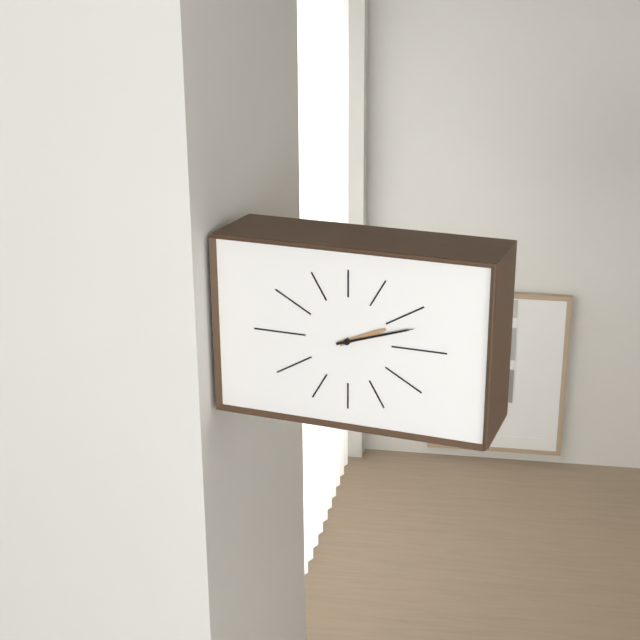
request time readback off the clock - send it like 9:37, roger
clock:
2:12
